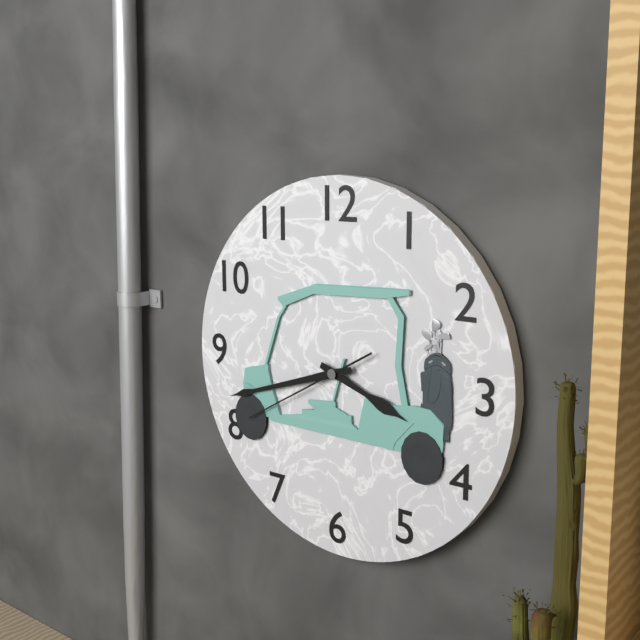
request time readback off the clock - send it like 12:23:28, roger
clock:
3:42:40
